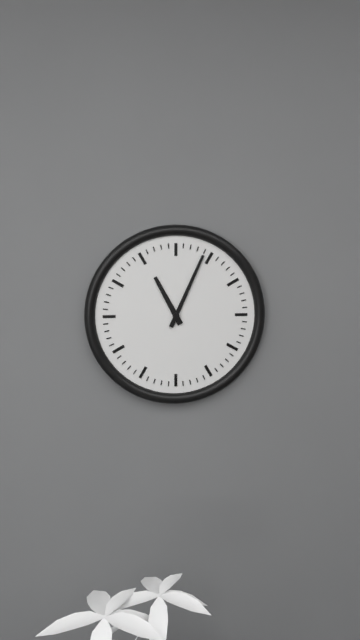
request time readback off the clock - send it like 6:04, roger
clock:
11:04
